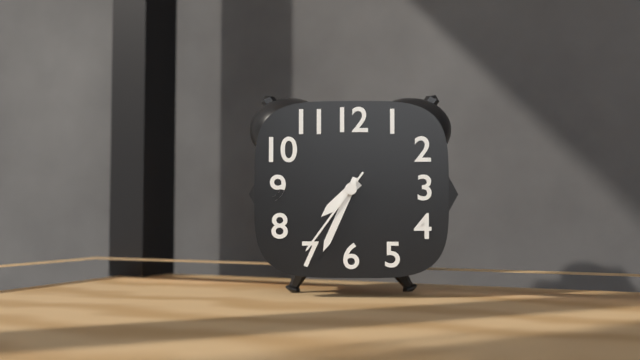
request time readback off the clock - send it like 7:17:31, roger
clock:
7:34:36
